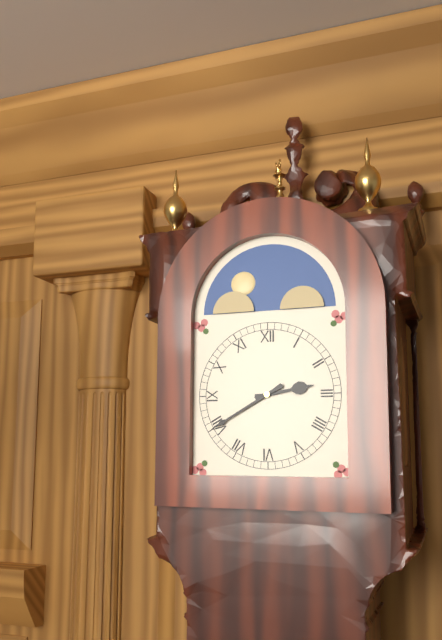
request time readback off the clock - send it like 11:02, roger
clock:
2:40
